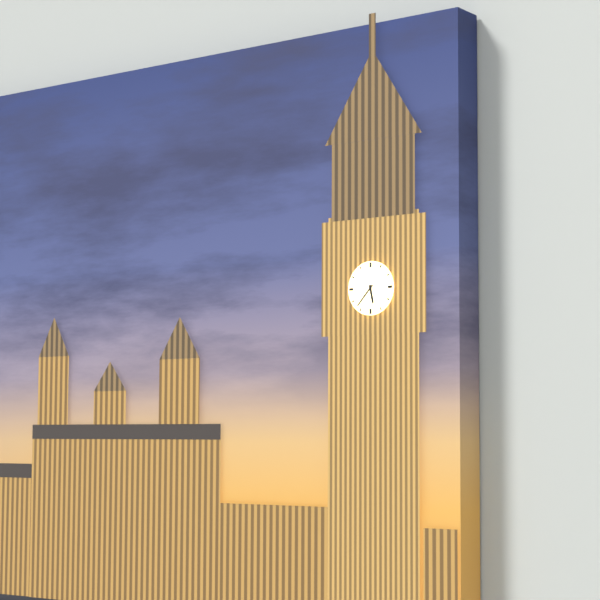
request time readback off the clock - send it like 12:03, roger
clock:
5:37
